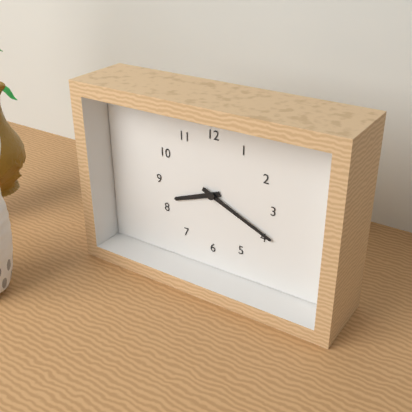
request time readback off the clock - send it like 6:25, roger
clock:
8:19
